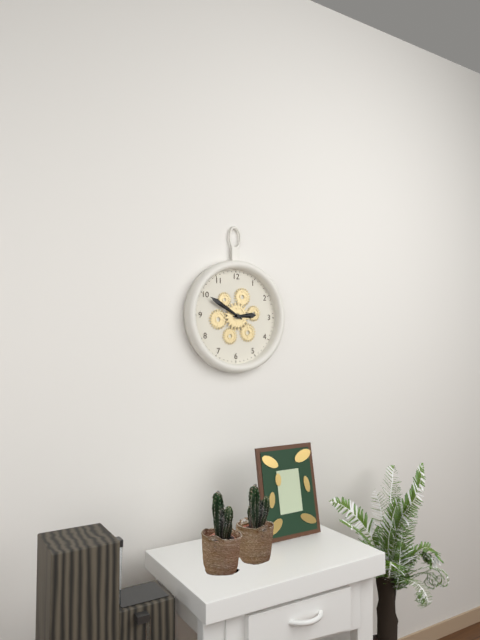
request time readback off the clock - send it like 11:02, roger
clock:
2:50
